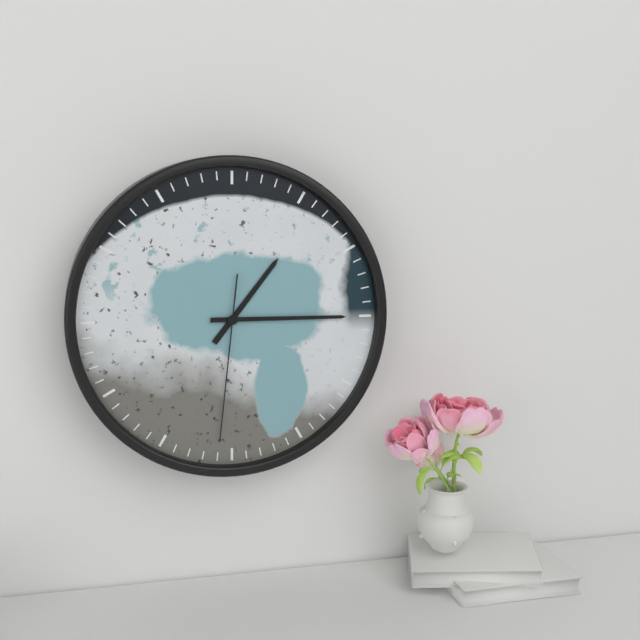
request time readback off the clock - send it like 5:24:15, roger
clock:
1:15:31
